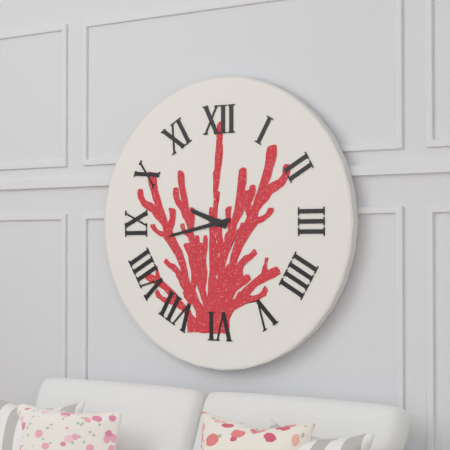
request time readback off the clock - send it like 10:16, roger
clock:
9:43
